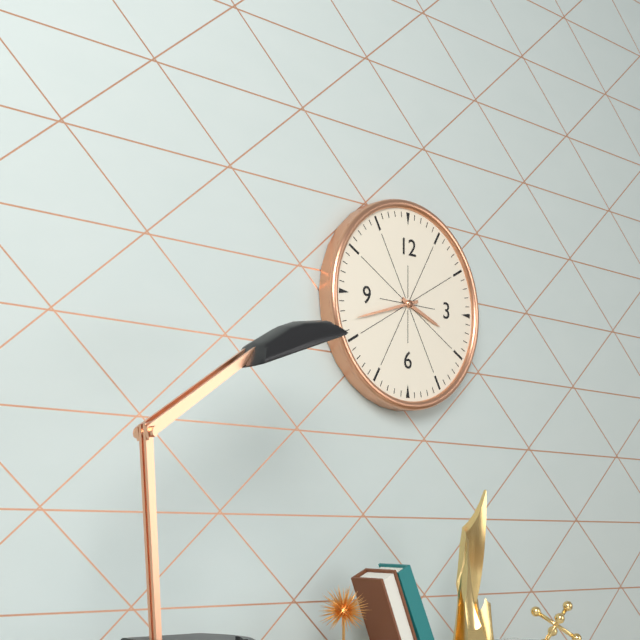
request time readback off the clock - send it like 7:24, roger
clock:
3:42
